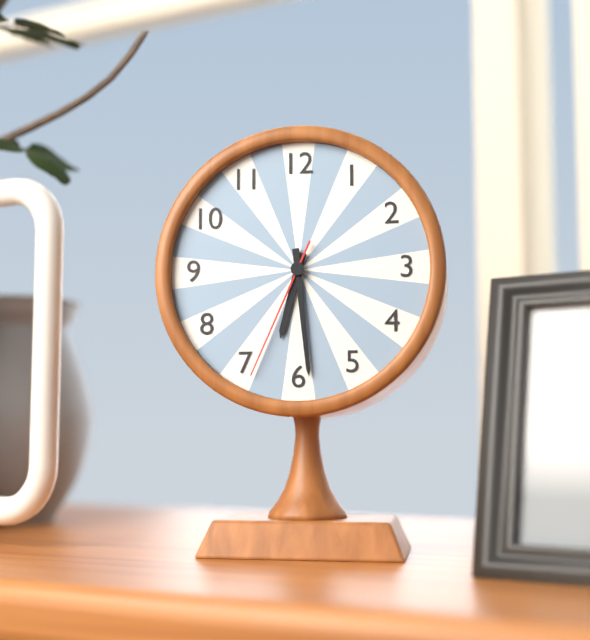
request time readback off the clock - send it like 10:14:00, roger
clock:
6:29:34
